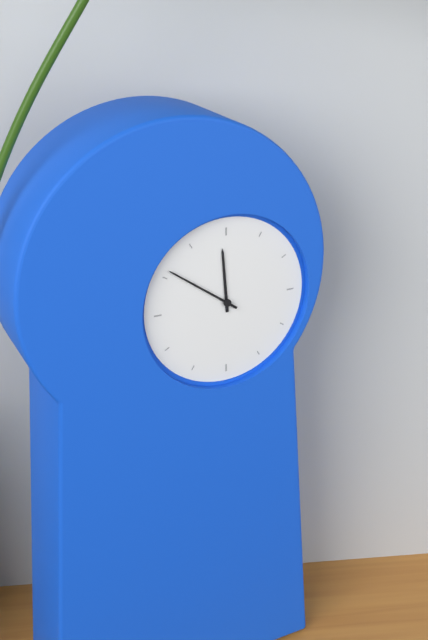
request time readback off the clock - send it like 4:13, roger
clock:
11:51
